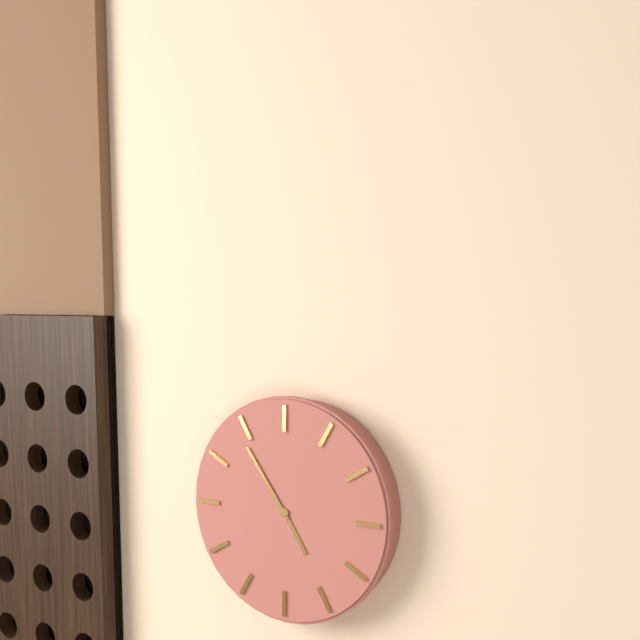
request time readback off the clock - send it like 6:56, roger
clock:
4:54
